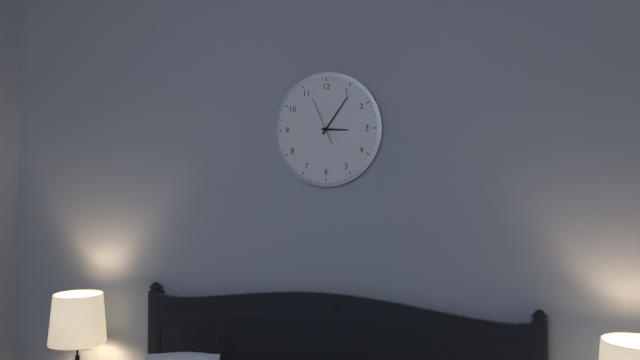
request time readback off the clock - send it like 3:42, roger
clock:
3:06
